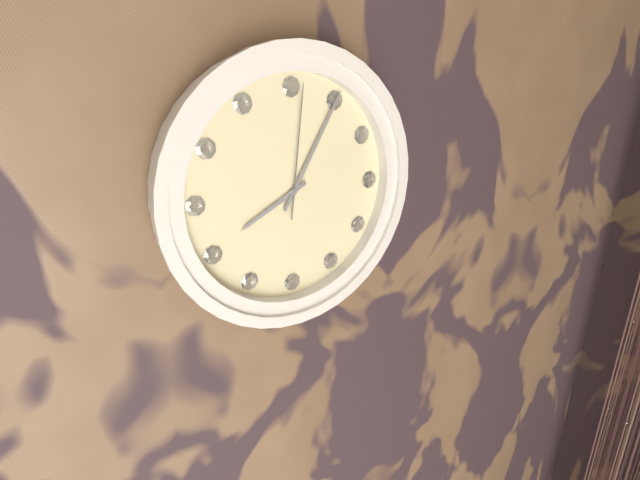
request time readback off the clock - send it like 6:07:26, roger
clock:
8:05:01
